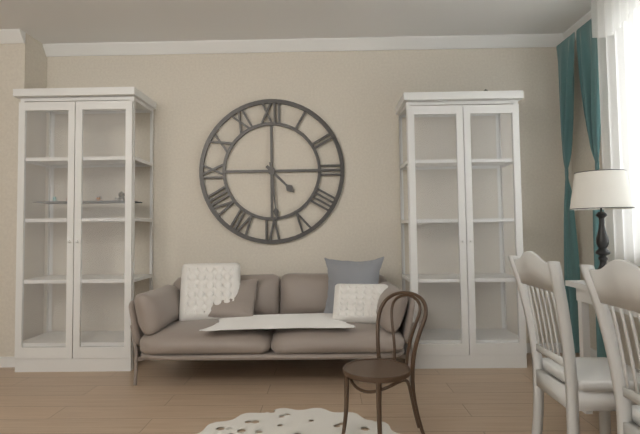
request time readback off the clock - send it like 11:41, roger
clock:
4:29
